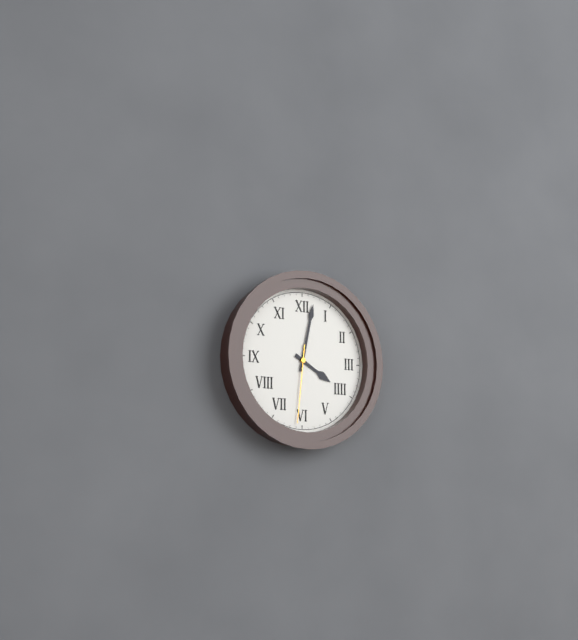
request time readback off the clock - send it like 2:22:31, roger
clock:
4:02:31
